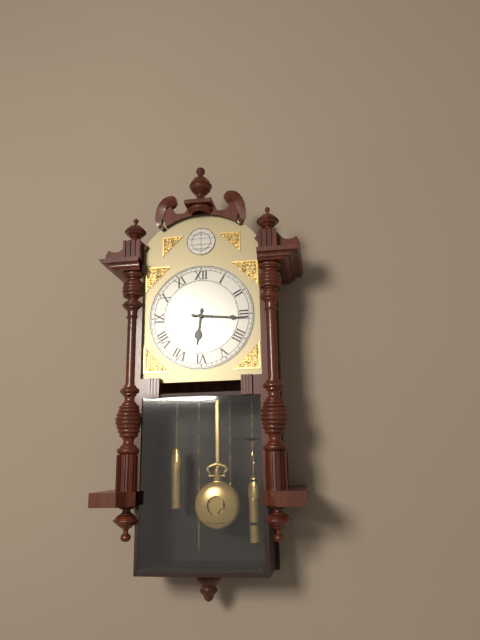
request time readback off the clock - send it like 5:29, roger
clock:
6:16
